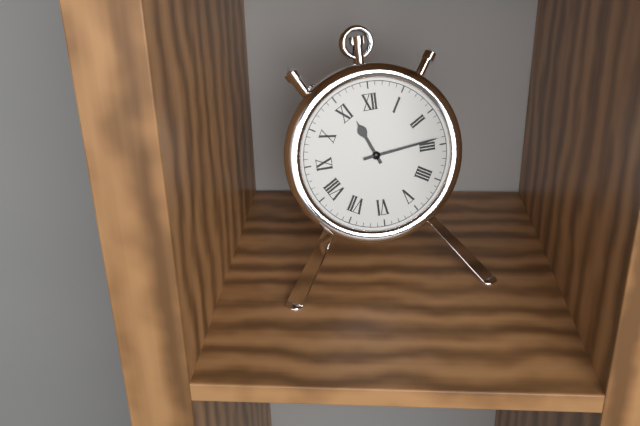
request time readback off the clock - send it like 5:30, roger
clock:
11:14
